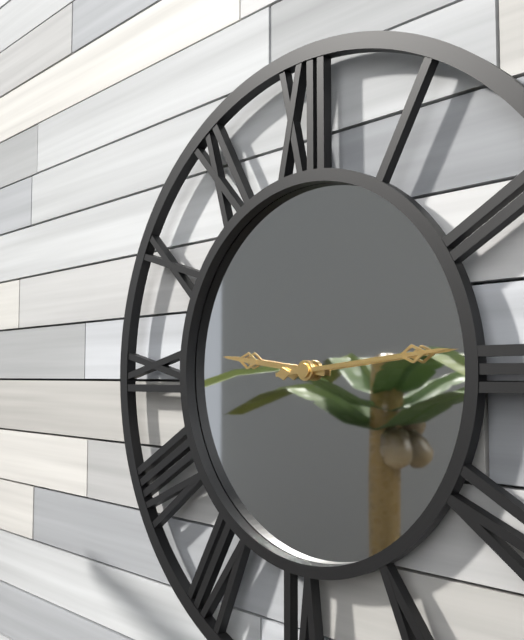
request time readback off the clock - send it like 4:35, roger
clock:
9:14
